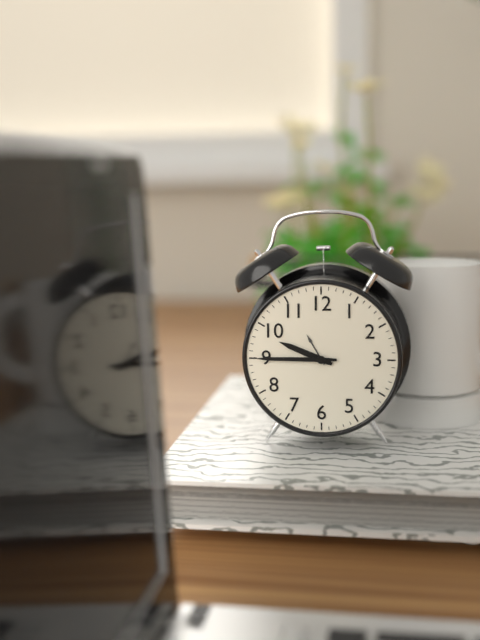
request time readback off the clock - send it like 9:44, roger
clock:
9:45
